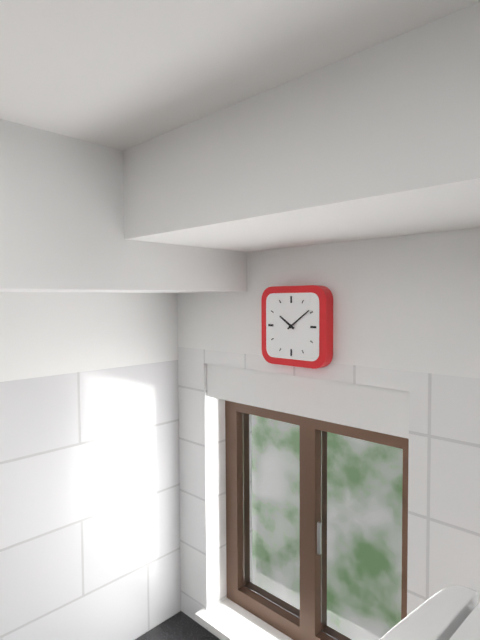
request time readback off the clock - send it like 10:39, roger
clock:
10:09
